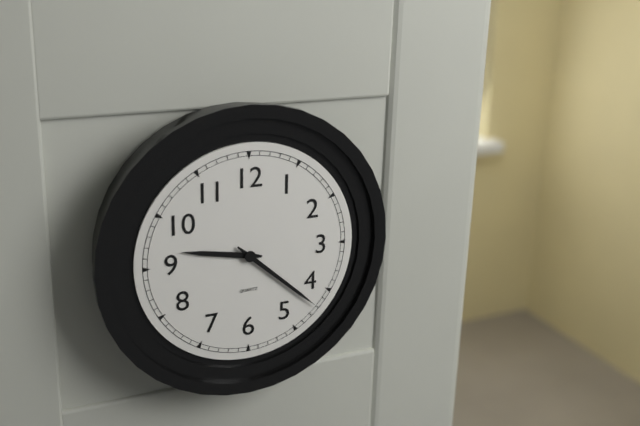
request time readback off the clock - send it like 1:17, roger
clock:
9:22
